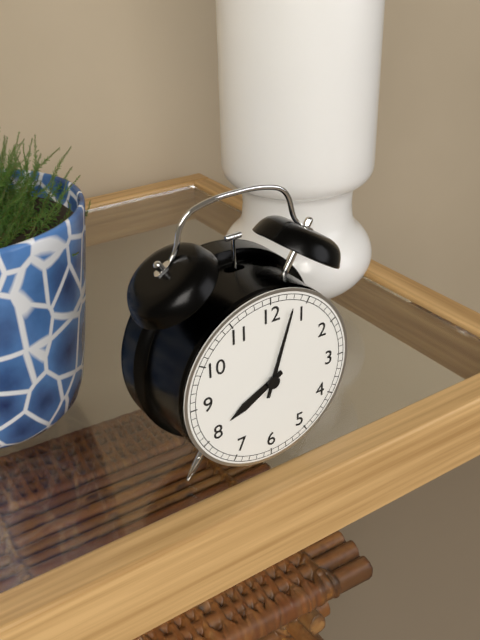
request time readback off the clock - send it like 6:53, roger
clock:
8:03
